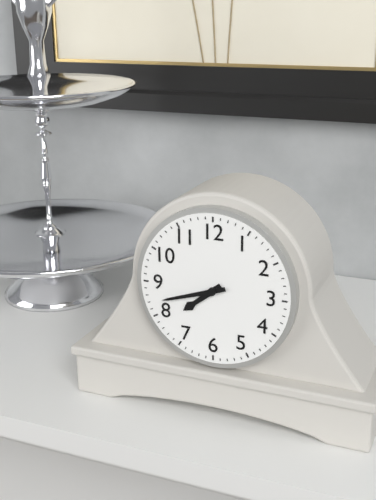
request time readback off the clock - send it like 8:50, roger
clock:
7:42
